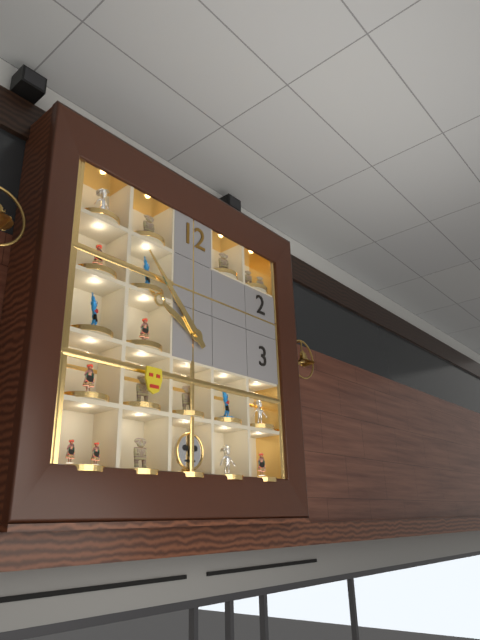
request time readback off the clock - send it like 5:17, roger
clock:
9:53
